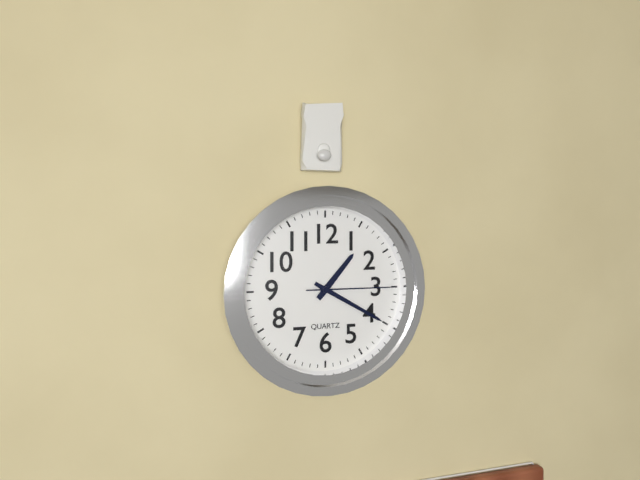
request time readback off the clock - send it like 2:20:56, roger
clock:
1:20:15
